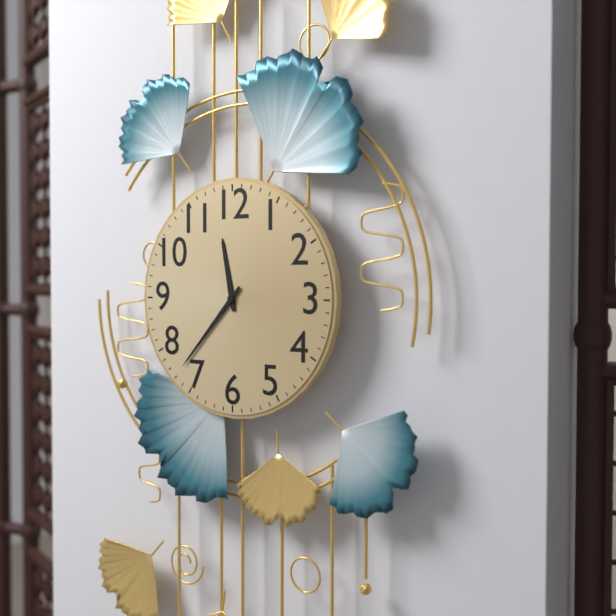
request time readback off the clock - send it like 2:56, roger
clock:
11:37
